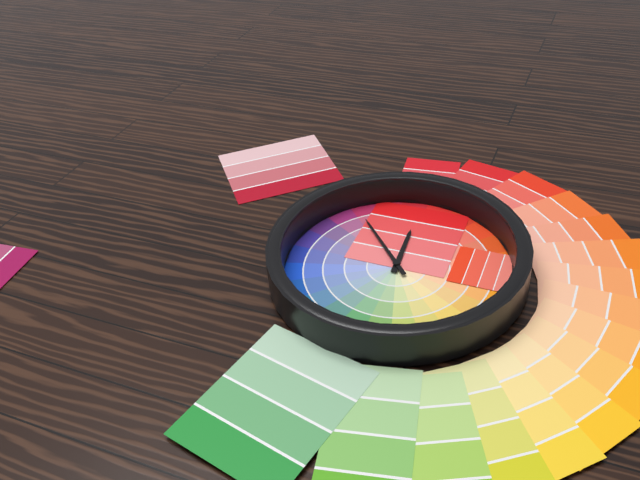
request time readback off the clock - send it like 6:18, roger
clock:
11:53
